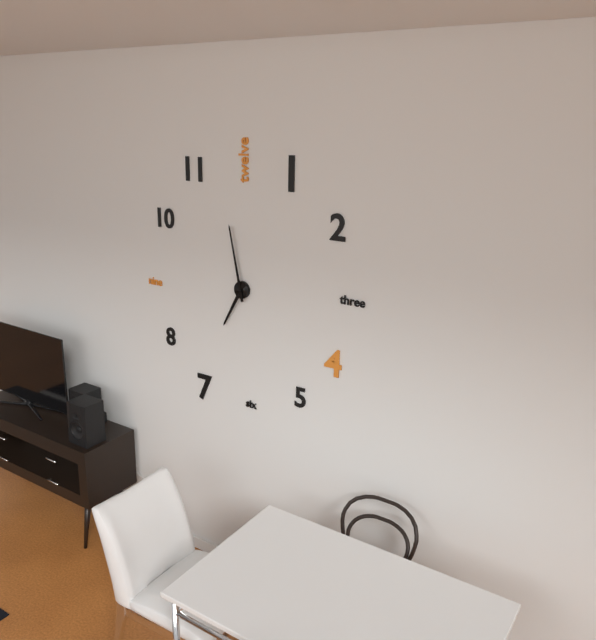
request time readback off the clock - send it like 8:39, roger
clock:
6:58
